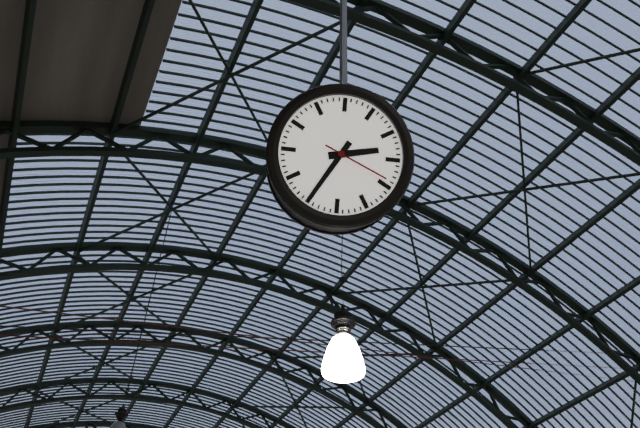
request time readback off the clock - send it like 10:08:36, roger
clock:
2:35:19
